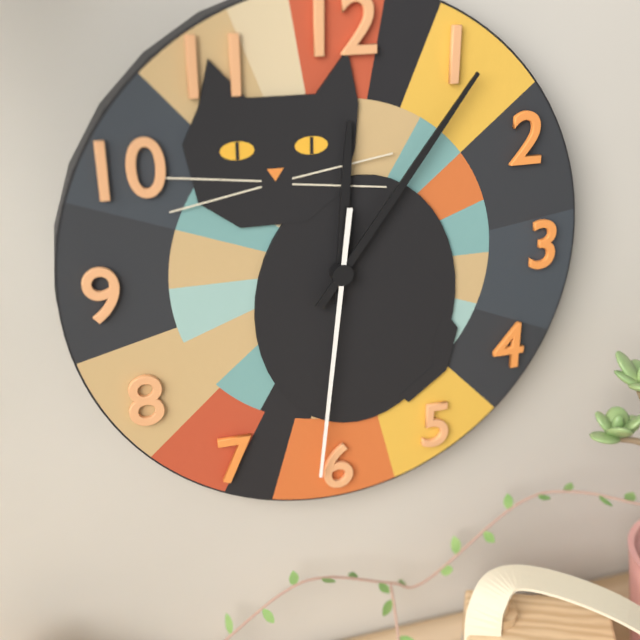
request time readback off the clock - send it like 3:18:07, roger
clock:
12:06:31
